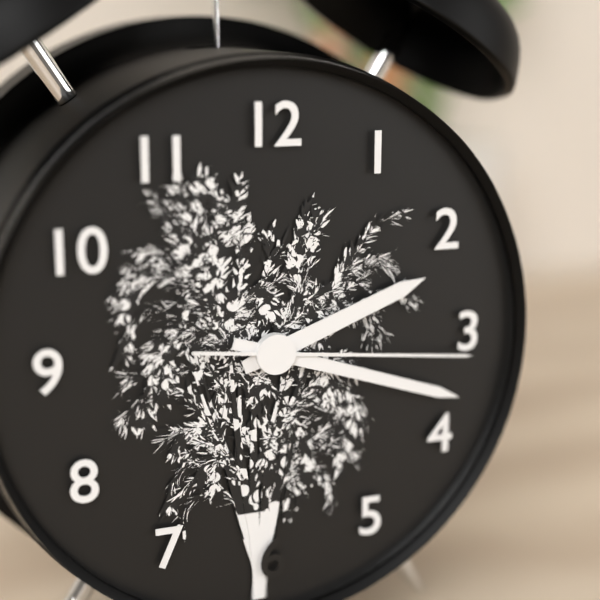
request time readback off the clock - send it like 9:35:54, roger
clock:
2:18:16
